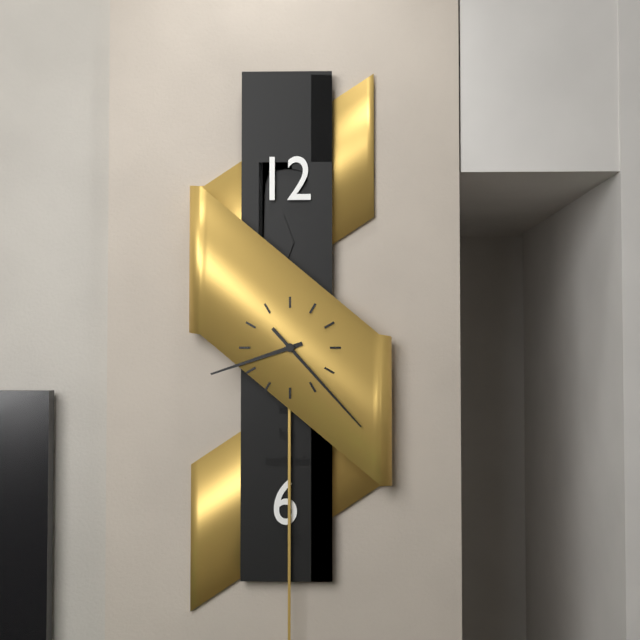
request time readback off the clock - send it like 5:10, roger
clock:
8:23
